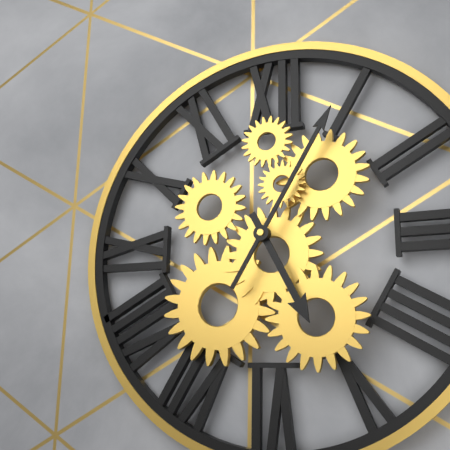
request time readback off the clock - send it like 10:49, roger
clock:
5:05
